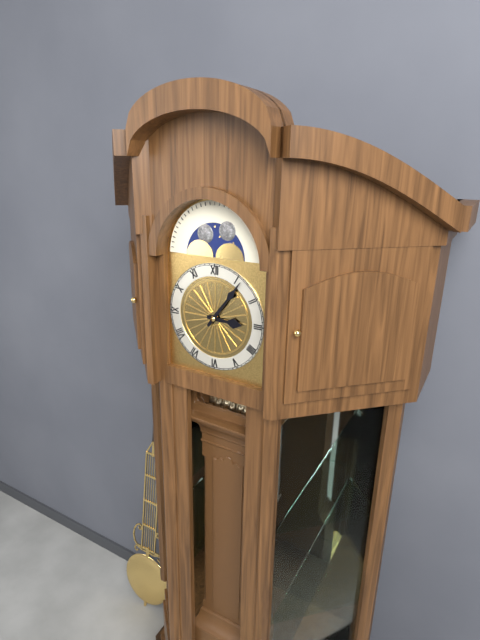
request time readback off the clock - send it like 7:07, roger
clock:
3:06
